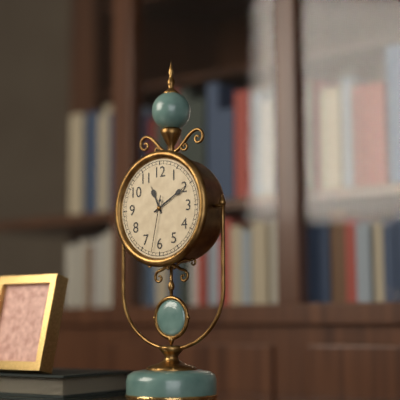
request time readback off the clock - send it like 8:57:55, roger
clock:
11:10:32
